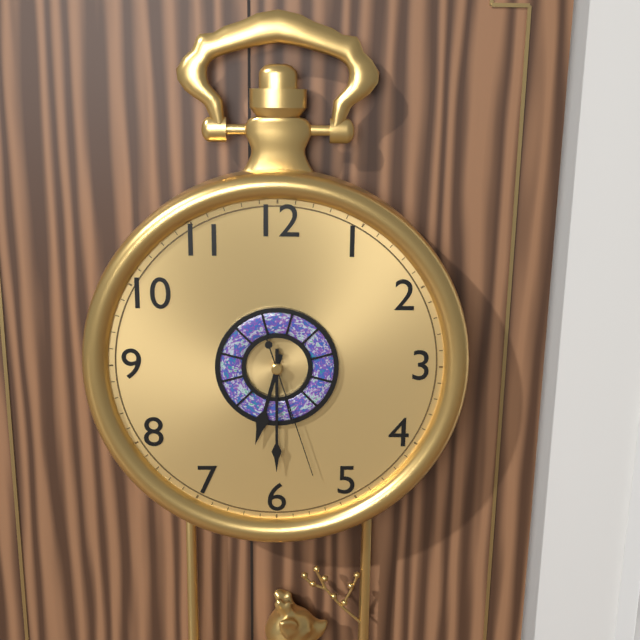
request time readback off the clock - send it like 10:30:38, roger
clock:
6:30:27
